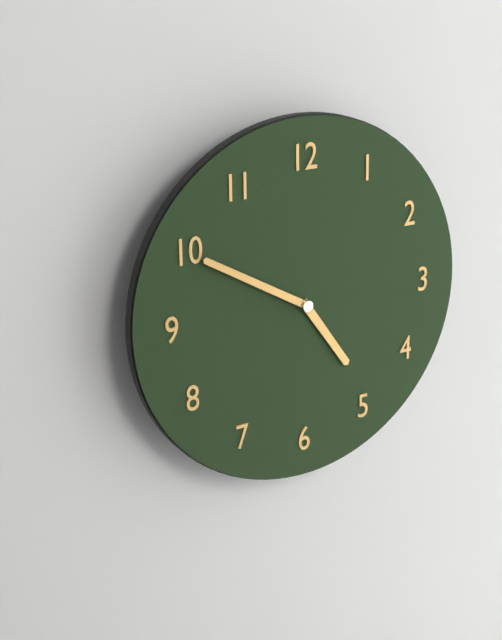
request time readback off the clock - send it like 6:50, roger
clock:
4:50
